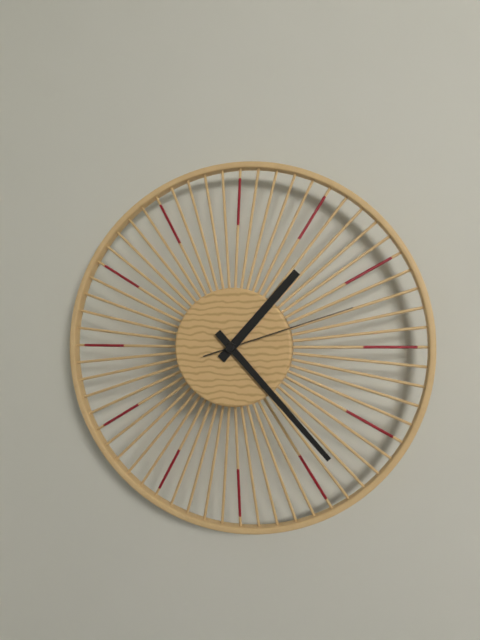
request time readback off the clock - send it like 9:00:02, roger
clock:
1:23:12
